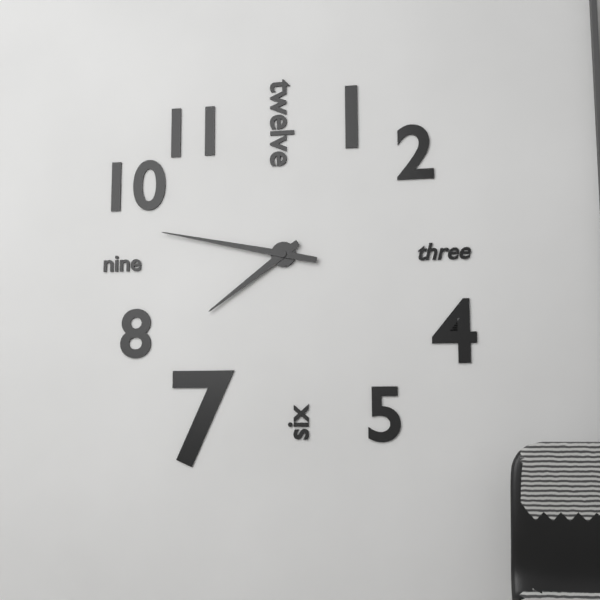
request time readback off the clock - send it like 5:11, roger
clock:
7:47
